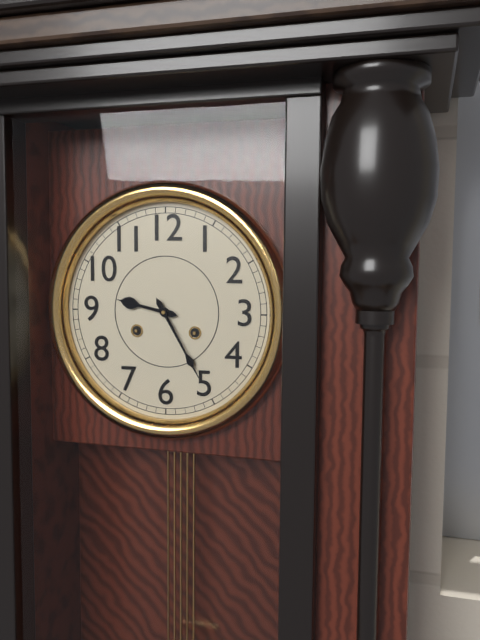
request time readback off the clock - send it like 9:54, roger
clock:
9:25
